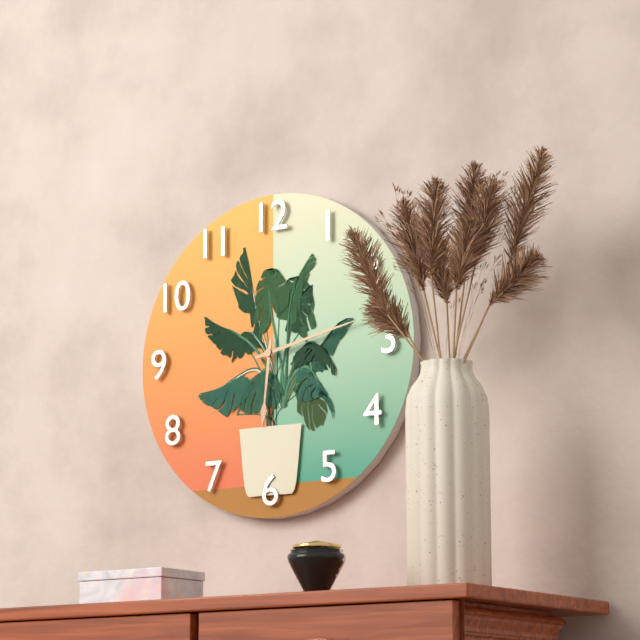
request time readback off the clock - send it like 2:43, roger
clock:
6:13
